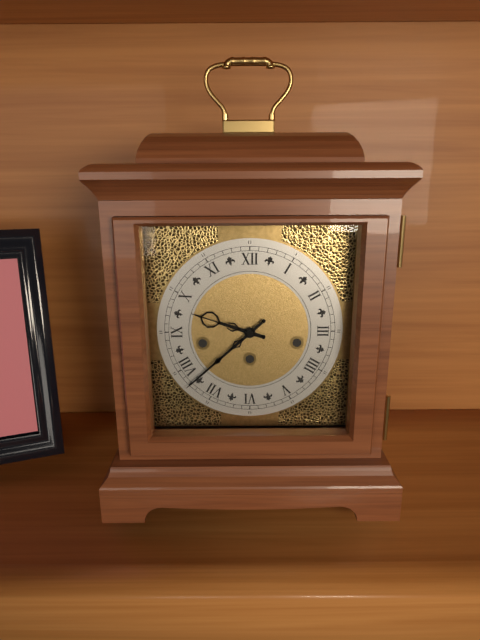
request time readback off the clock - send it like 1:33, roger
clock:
9:38
